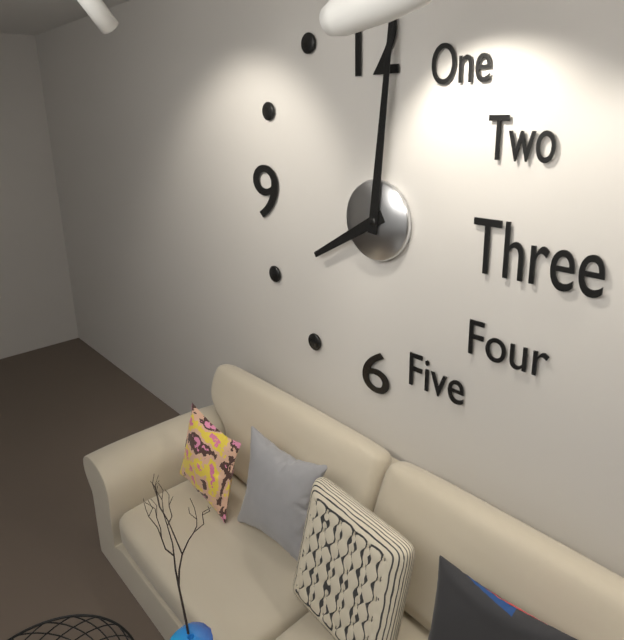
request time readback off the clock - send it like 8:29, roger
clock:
8:01
